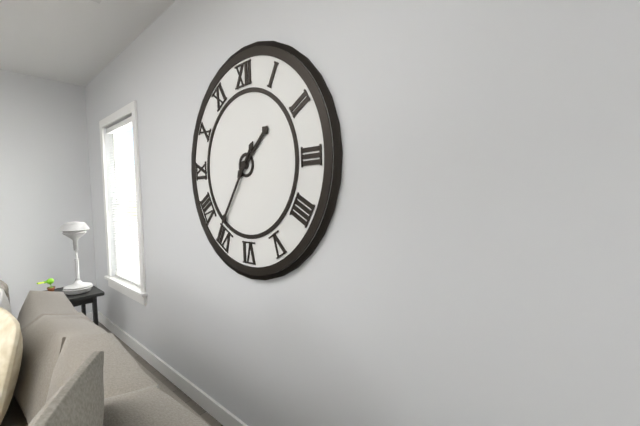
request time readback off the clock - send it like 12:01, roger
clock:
1:36
